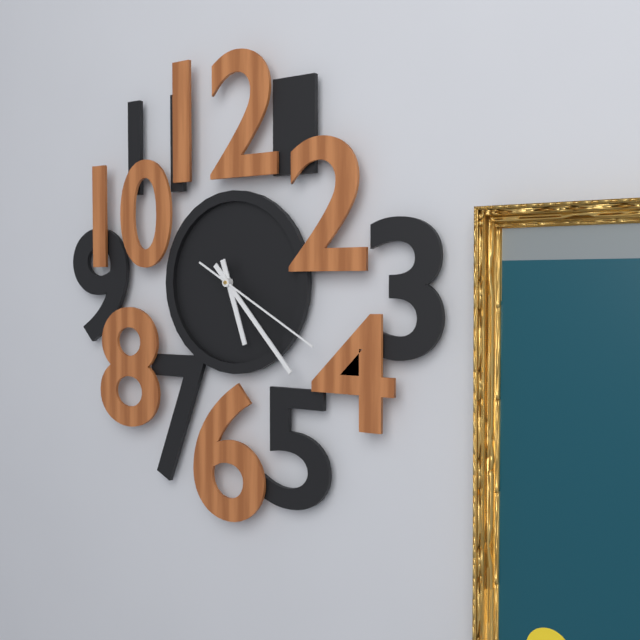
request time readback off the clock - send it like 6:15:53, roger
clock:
5:23:20
